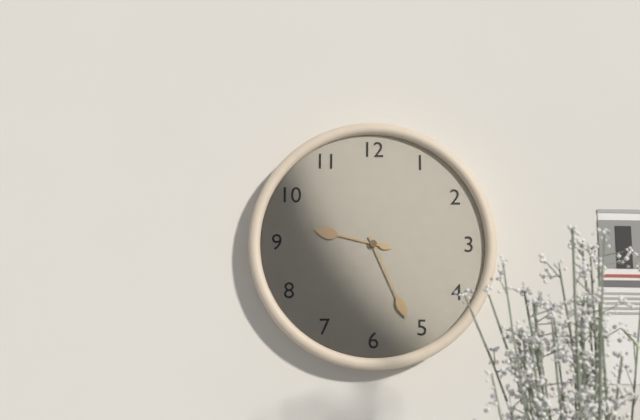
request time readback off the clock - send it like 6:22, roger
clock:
9:26
